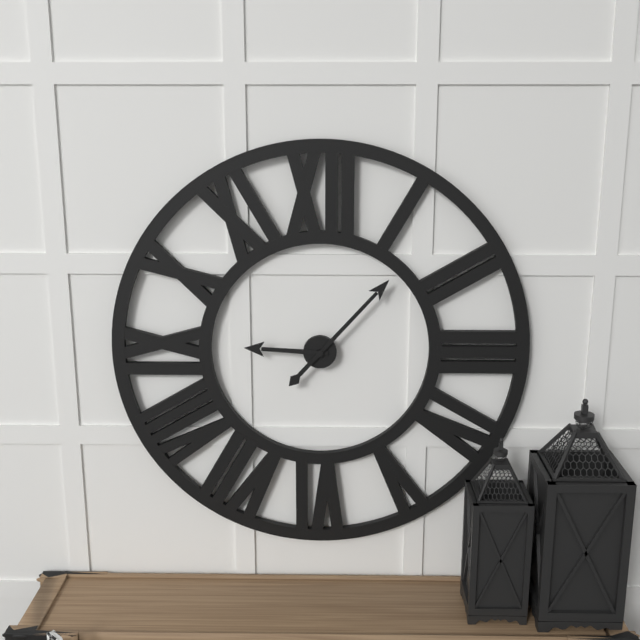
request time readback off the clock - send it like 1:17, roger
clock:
9:07
